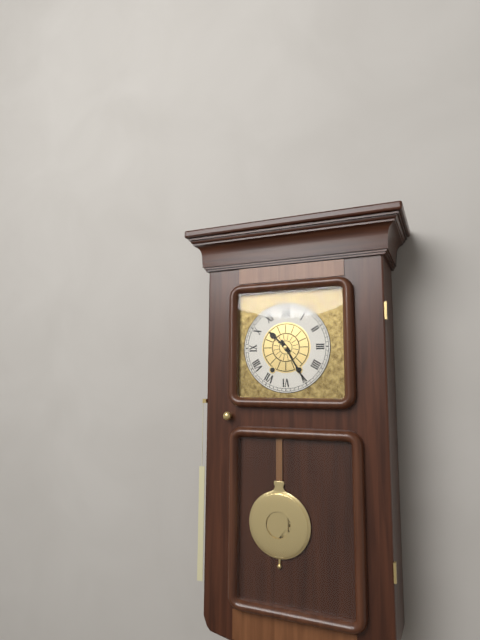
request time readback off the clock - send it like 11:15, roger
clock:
10:25
